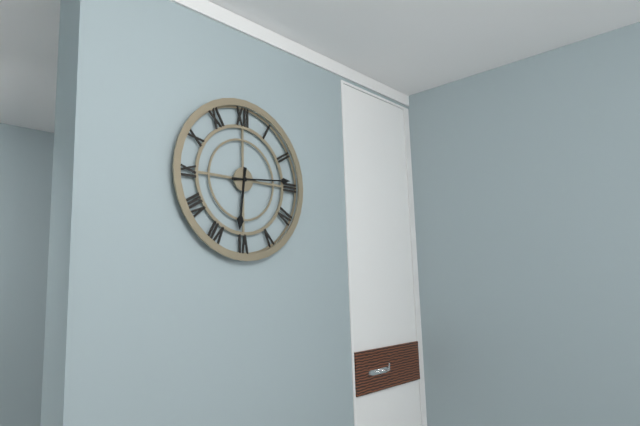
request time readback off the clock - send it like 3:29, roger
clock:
6:14
